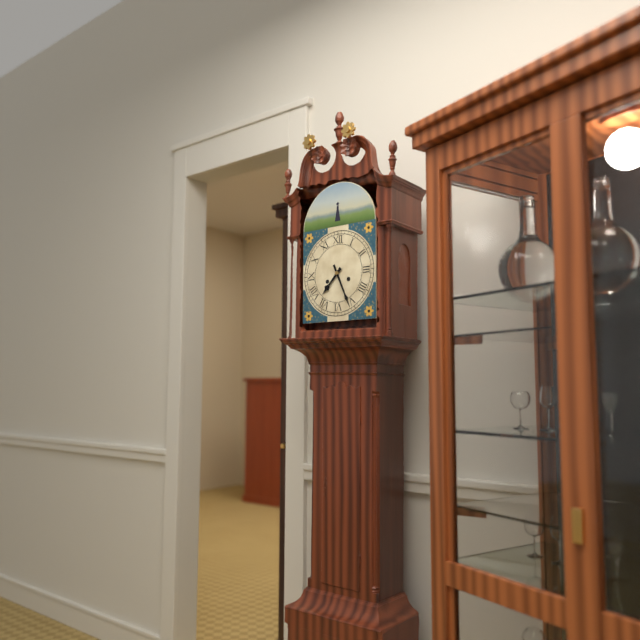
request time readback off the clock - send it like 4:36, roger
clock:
7:26
